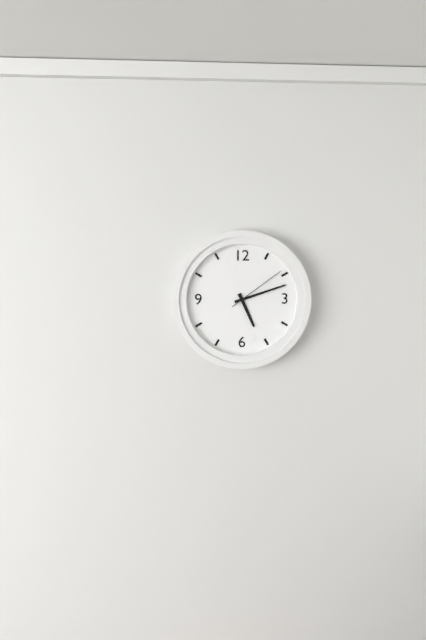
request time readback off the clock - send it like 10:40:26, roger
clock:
5:12:09
